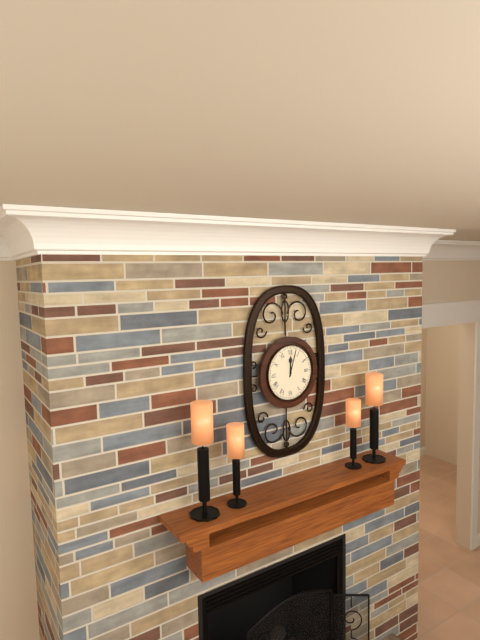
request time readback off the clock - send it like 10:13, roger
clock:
12:03
